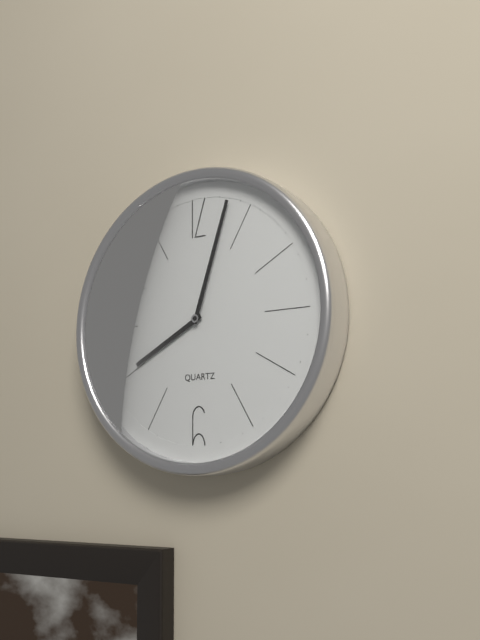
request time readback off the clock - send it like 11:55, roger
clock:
8:03
